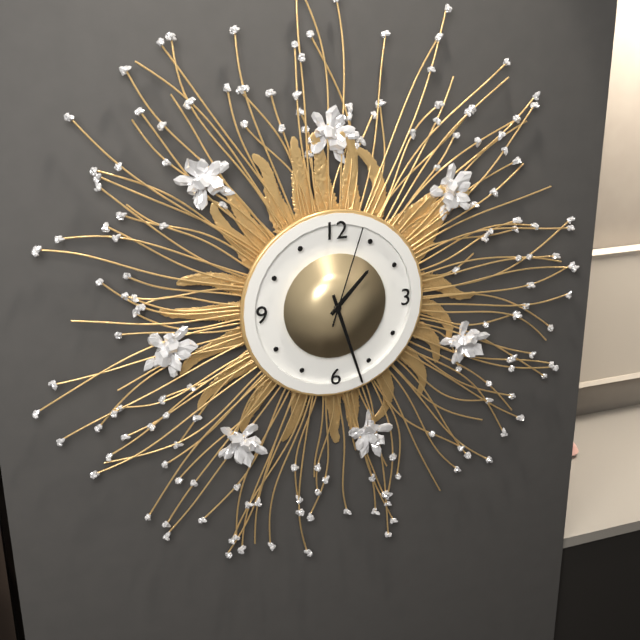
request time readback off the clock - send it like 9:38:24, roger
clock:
1:27:03
